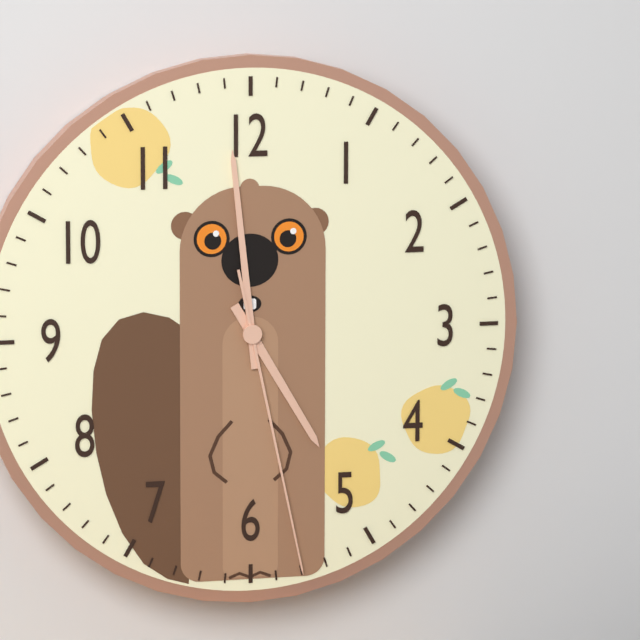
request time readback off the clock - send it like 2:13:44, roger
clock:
4:59:28
